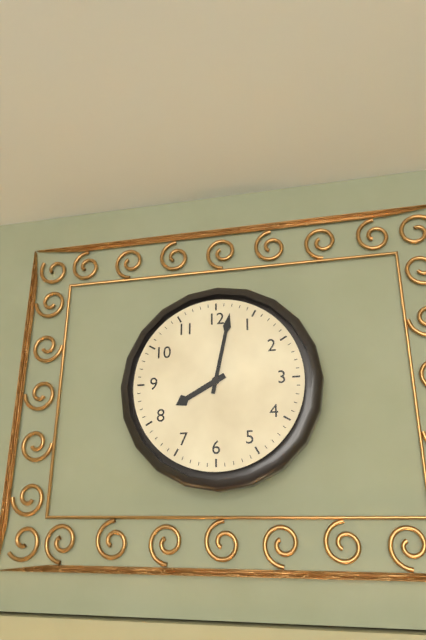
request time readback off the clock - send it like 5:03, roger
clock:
8:02
